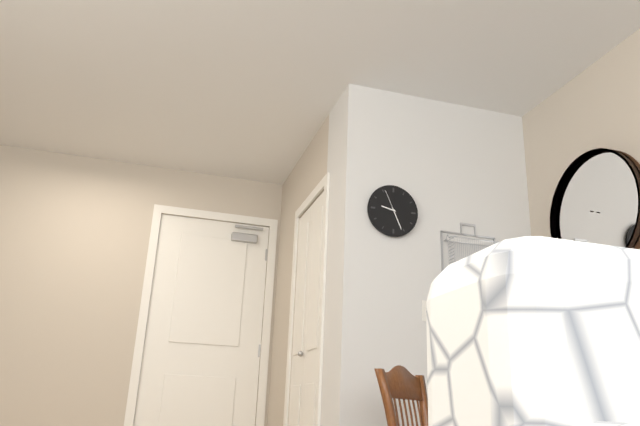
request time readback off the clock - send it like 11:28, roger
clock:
9:26
